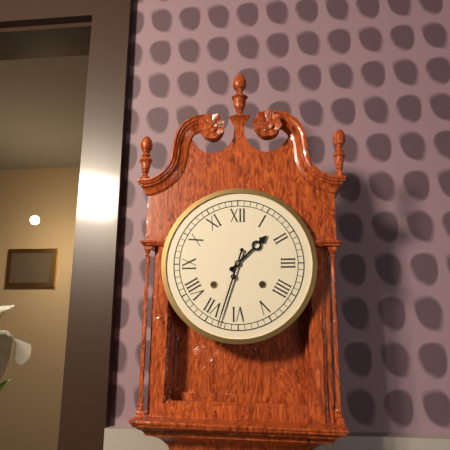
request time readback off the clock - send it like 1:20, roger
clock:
1:33
